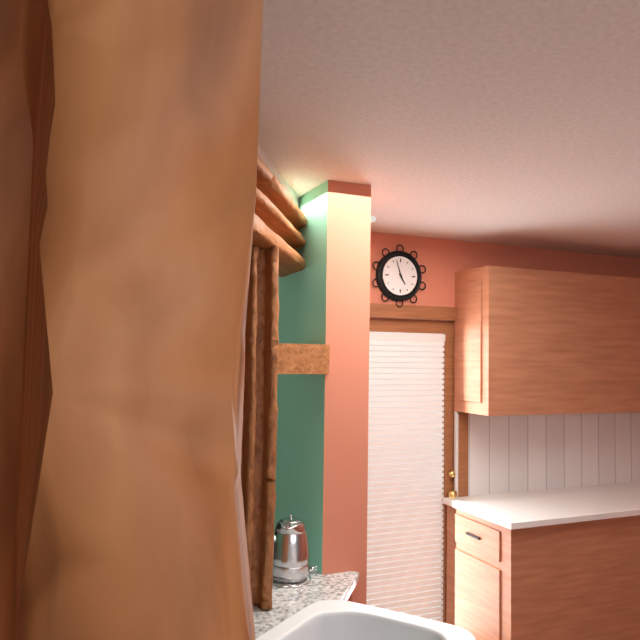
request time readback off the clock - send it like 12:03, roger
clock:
4:57
